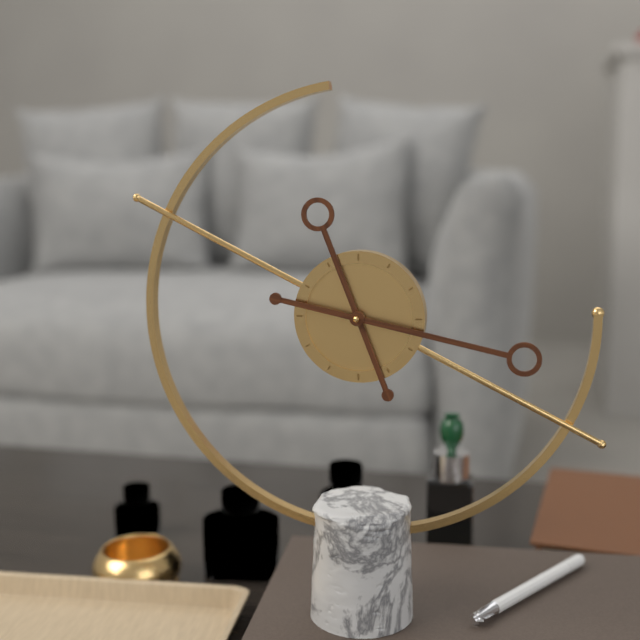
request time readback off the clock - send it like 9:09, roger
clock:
11:17
